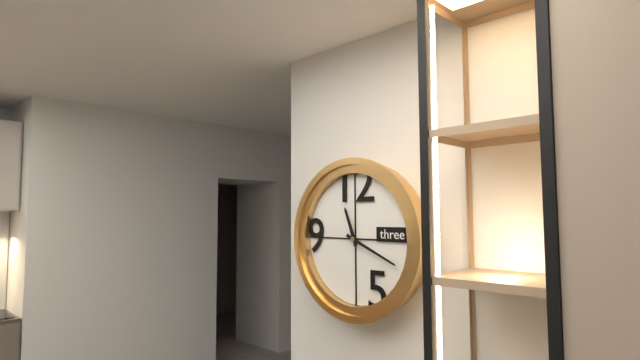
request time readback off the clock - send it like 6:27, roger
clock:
11:19
